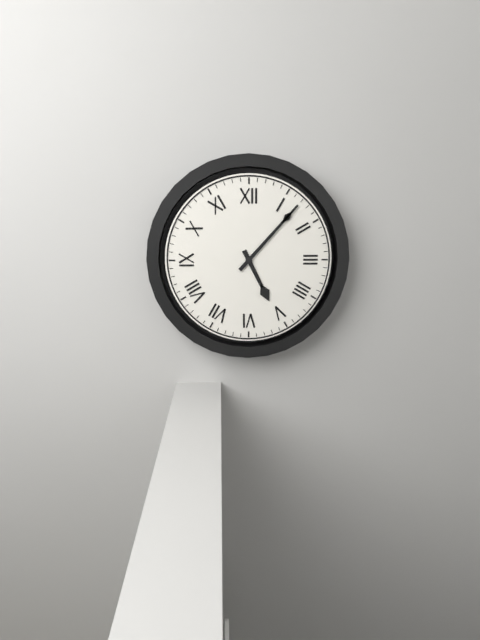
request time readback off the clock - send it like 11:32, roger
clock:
5:07
